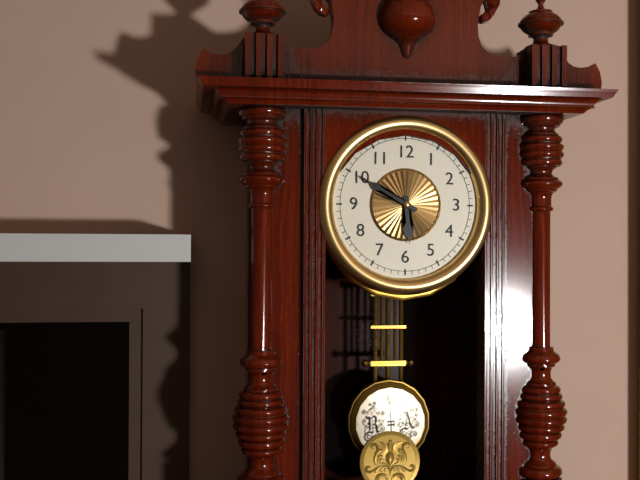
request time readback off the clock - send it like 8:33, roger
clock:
5:50
